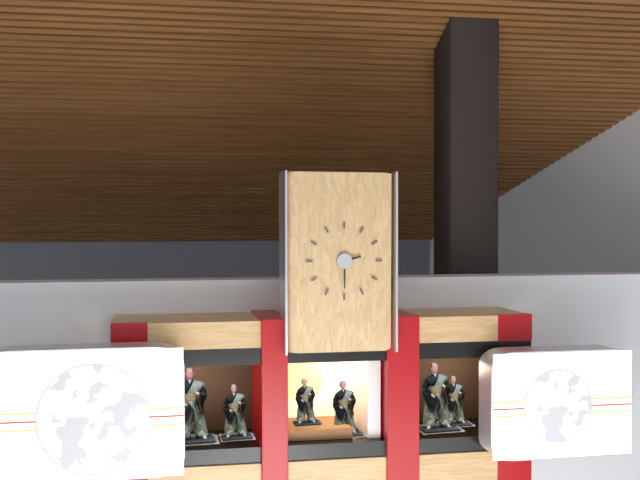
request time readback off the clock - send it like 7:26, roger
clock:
2:30
